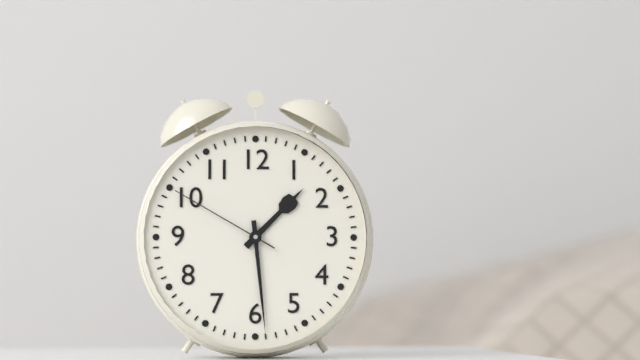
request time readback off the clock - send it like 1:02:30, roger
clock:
1:29:50
